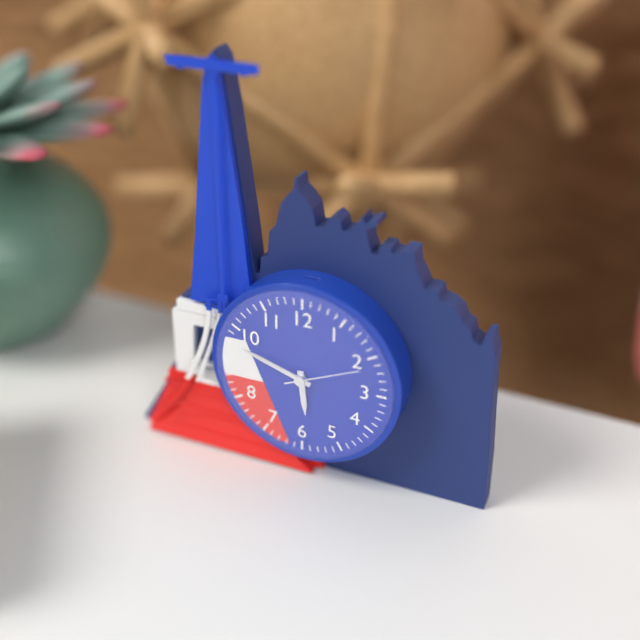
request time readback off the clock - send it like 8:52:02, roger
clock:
5:48:11
